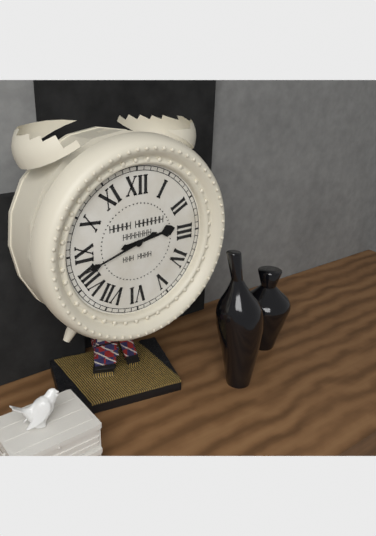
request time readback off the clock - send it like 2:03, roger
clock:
2:42
